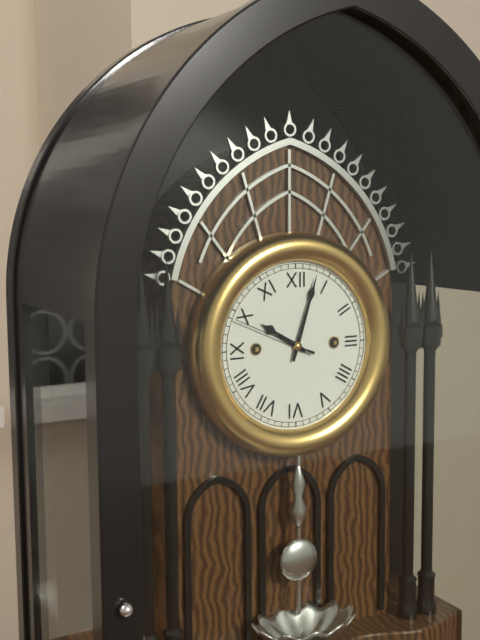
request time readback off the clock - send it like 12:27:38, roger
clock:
10:03:49
